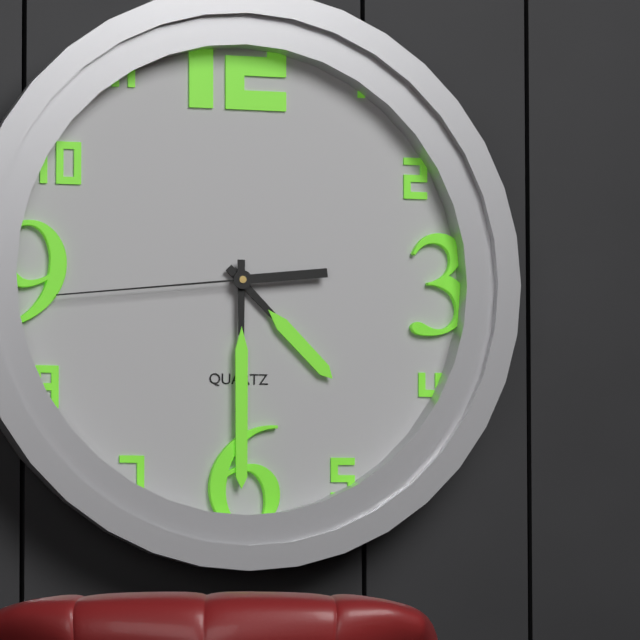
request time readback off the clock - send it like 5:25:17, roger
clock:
4:30:44
